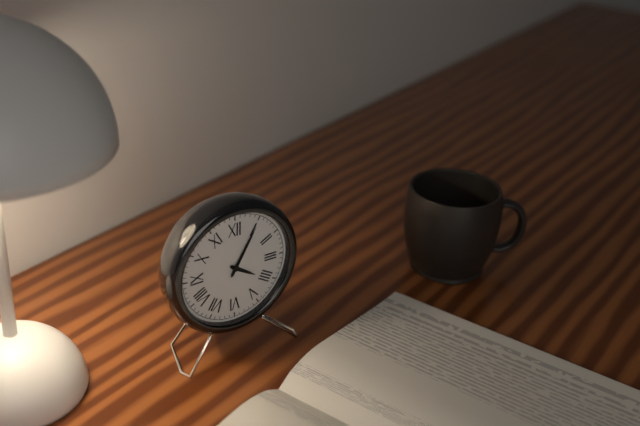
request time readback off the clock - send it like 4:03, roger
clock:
4:05
